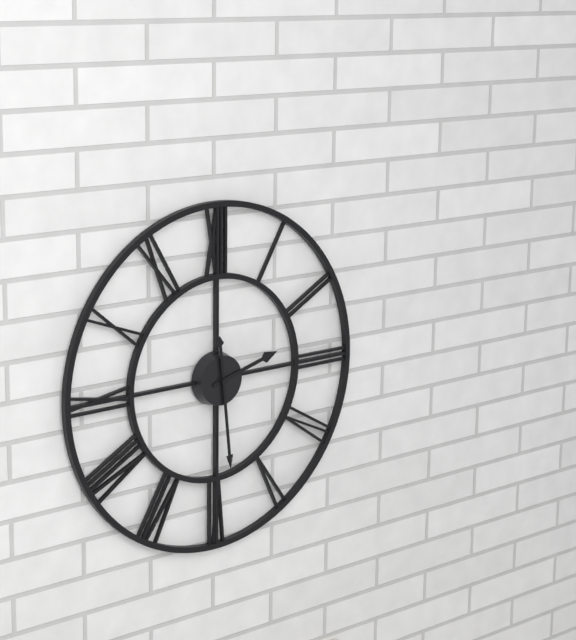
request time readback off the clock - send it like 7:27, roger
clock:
2:29
